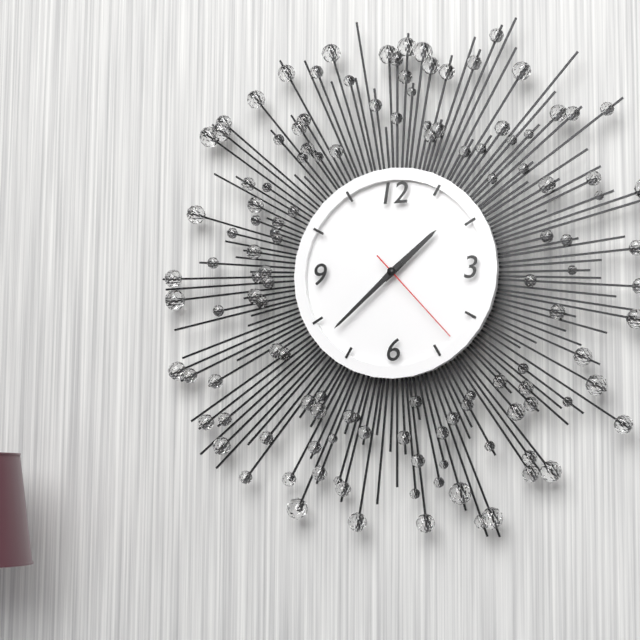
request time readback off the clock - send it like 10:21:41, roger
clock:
1:38:23
